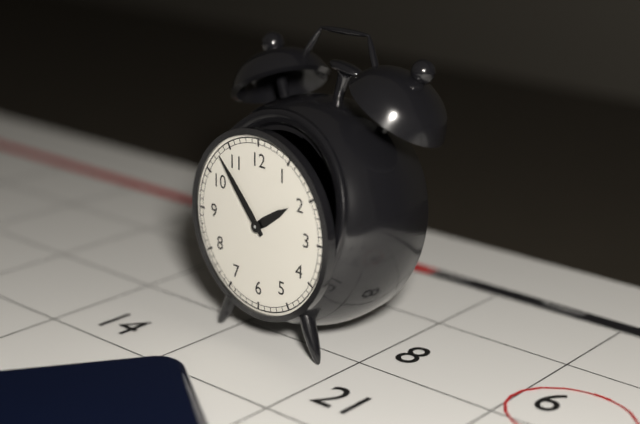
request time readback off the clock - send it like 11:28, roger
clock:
1:53
